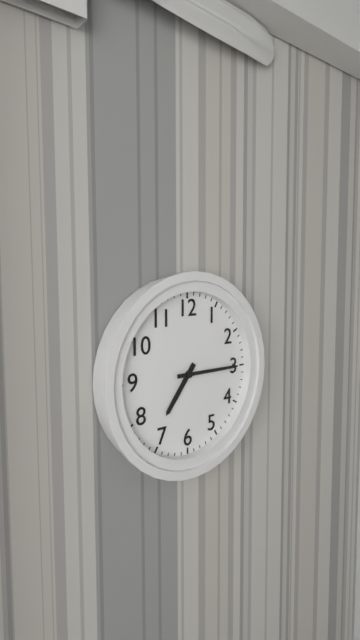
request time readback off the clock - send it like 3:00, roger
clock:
7:15
